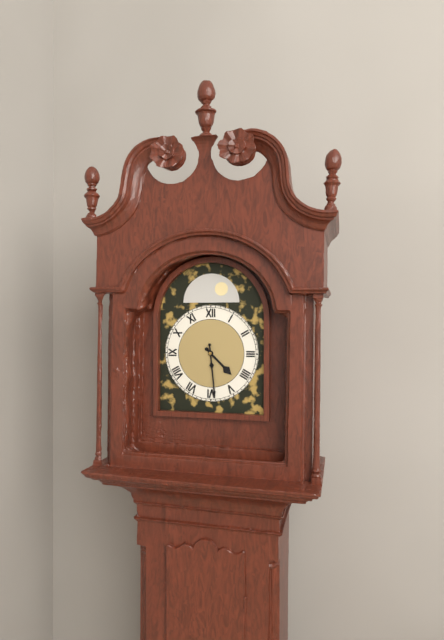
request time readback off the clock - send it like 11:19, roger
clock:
4:29
